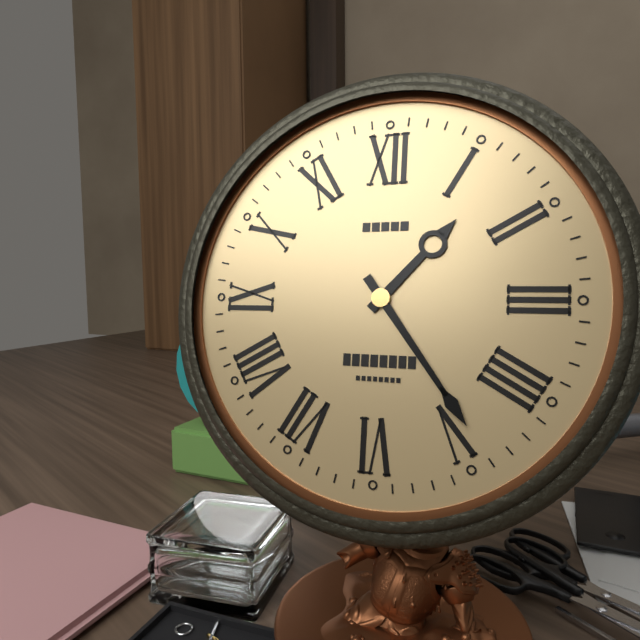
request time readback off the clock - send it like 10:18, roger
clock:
1:24
